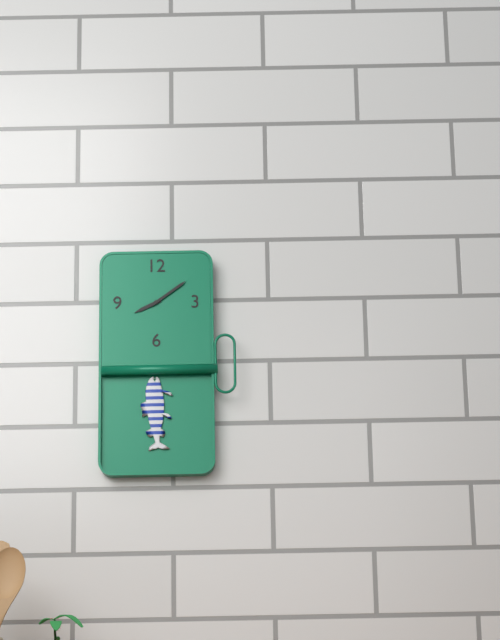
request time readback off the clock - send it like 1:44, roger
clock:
8:09
